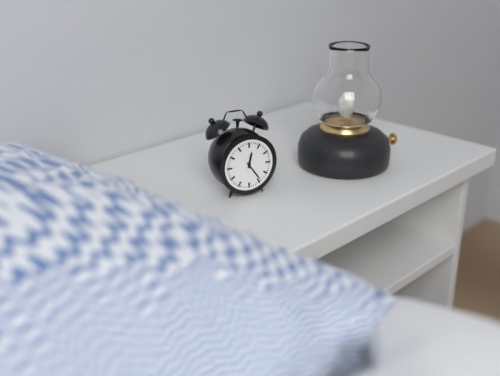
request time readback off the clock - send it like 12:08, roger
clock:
12:24
